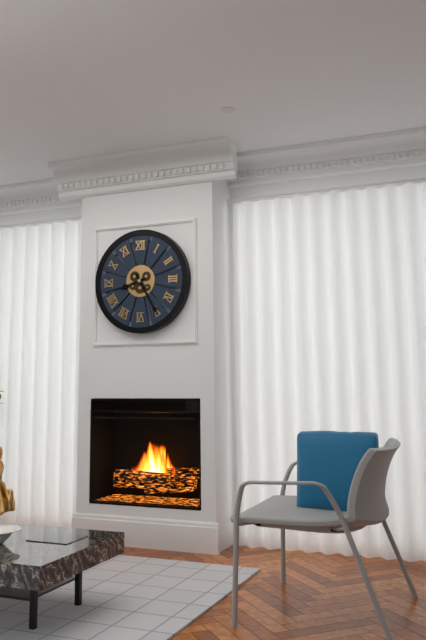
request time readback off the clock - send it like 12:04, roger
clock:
8:25
